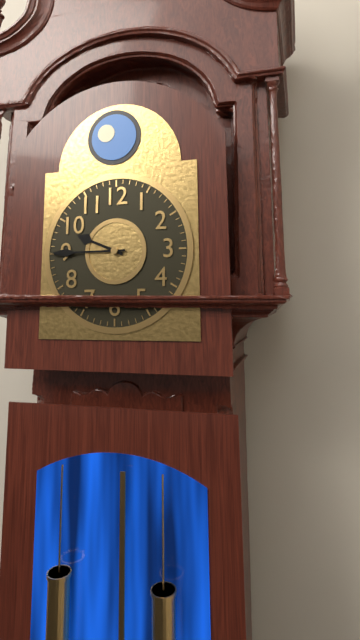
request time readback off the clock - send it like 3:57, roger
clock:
9:45
